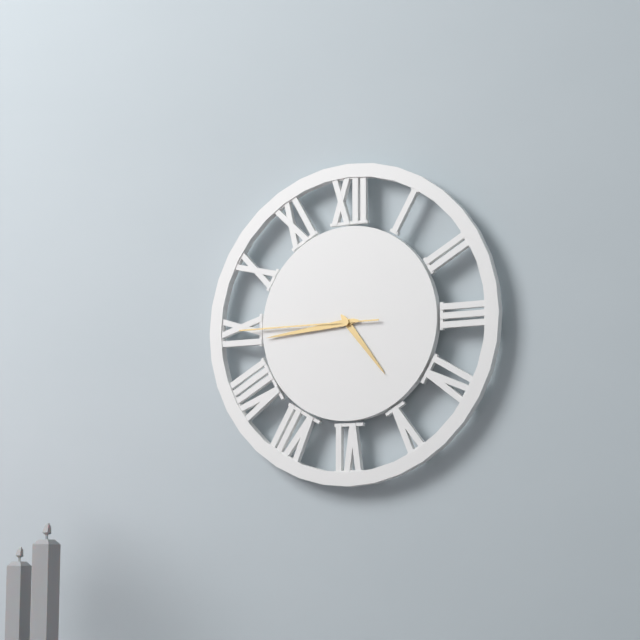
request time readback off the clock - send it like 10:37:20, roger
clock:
4:44:45
